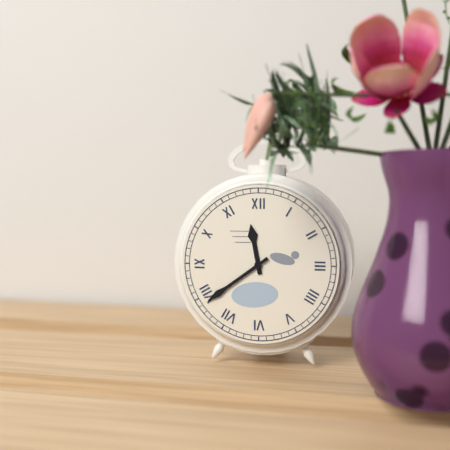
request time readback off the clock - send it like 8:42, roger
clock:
11:39
